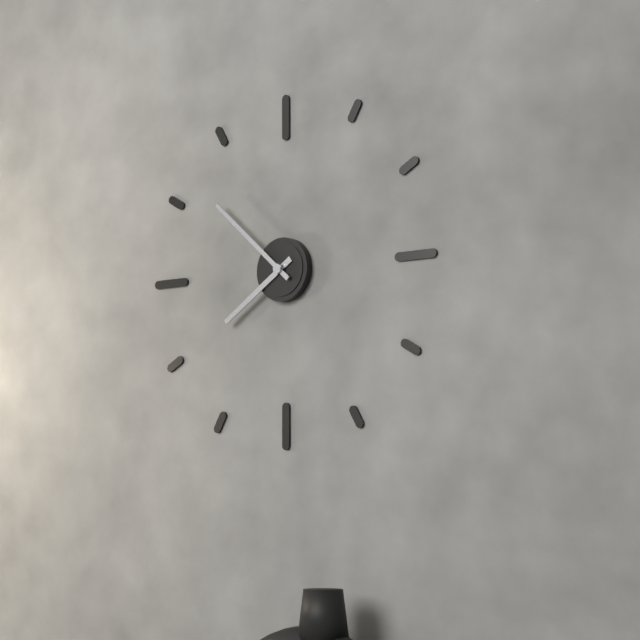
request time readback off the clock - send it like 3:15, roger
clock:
7:52
